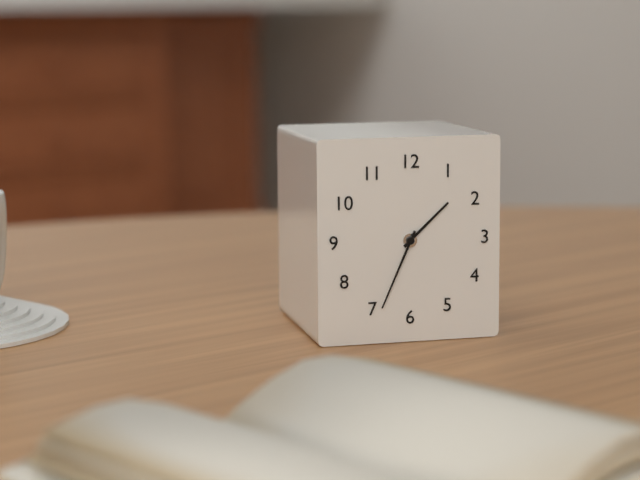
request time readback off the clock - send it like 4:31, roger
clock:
1:34
